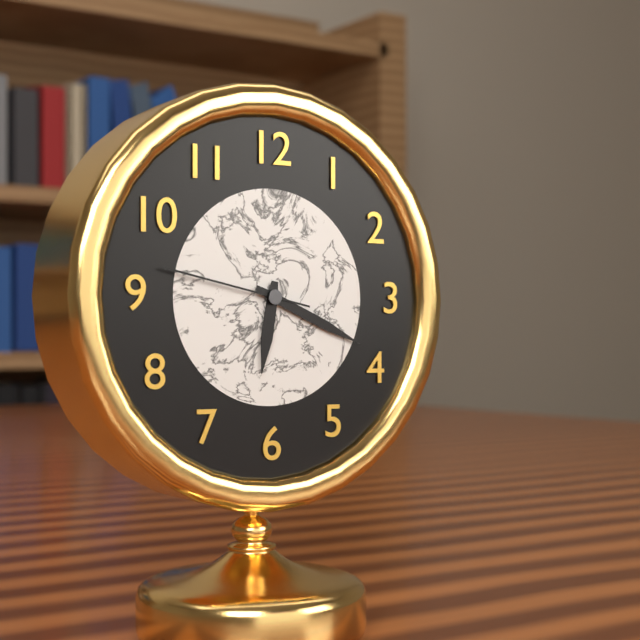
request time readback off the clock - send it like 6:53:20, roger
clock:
6:19:47
